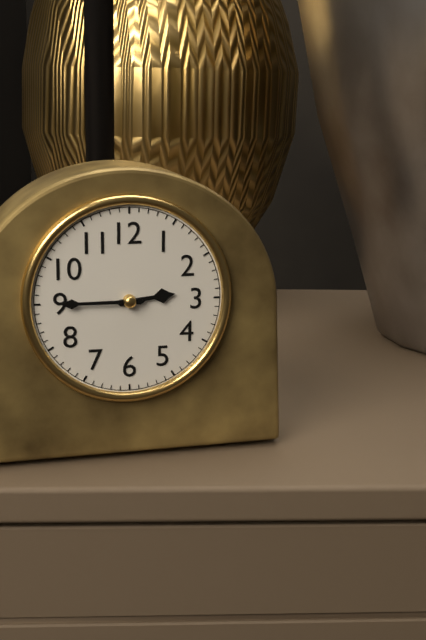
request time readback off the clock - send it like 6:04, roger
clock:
2:45
